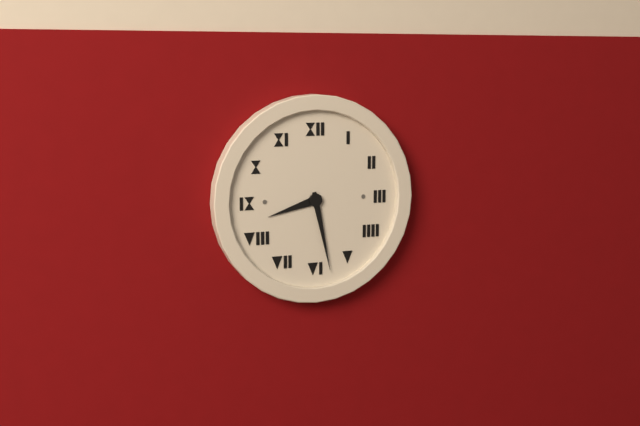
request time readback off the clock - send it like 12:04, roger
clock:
8:28
